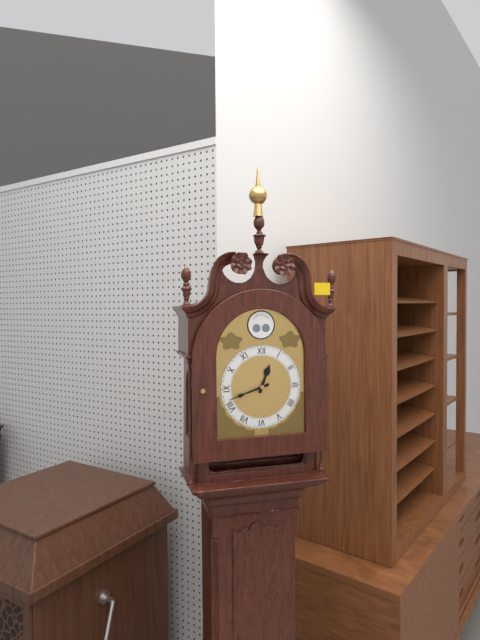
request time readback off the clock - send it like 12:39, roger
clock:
12:42
